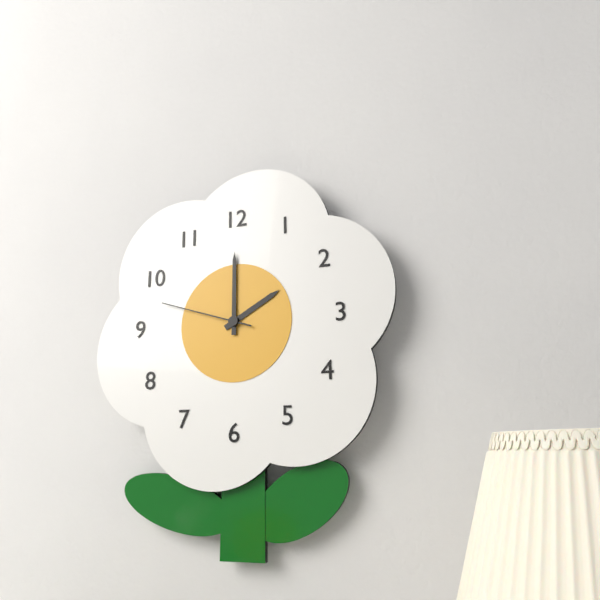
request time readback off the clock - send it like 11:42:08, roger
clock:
2:00:48
